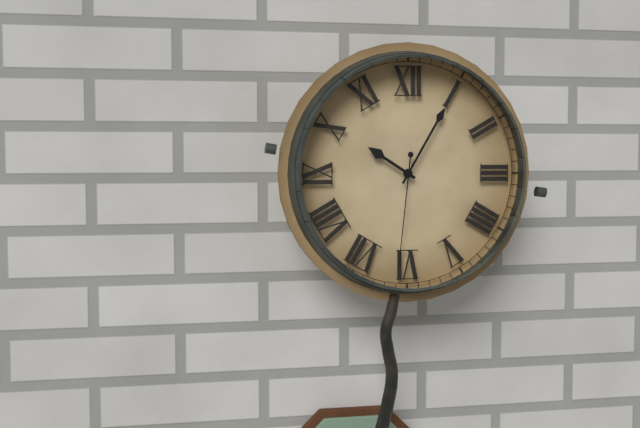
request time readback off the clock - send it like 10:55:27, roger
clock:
10:05:31
